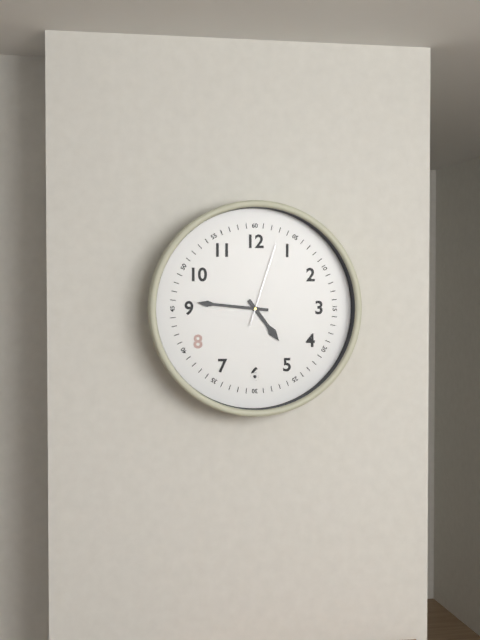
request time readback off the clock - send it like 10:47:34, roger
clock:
4:46:03
